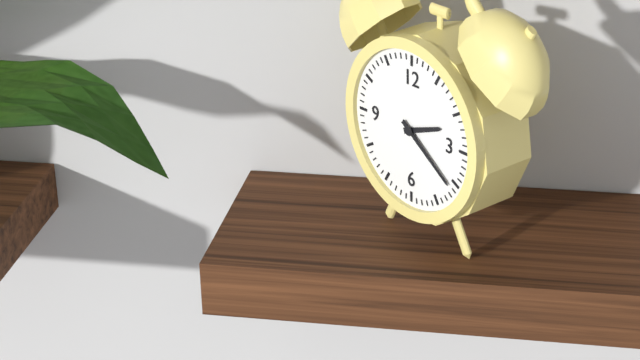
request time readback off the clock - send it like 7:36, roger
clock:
2:21
